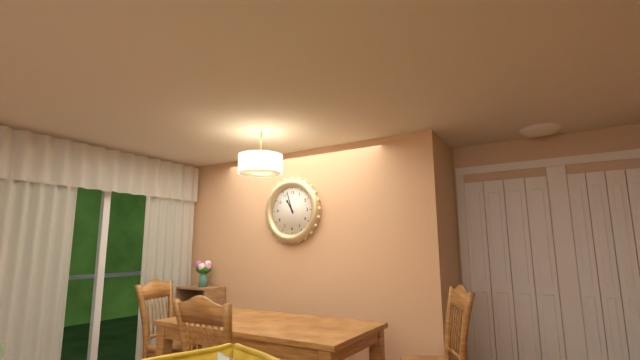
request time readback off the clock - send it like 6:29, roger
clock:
10:57
